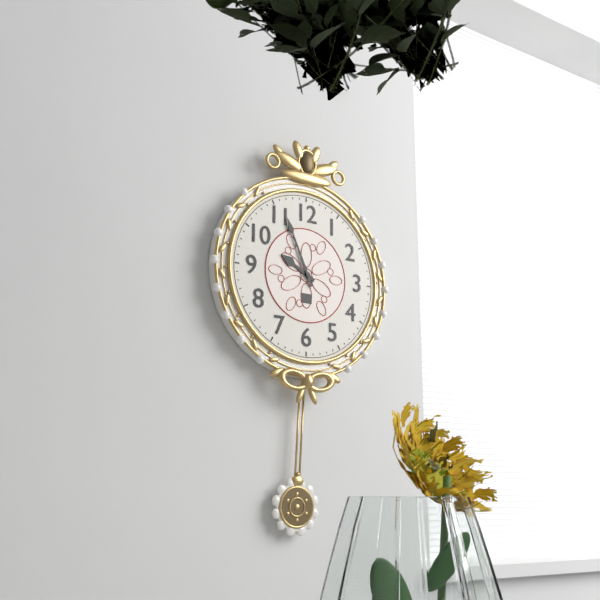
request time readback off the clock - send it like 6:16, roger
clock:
9:56
